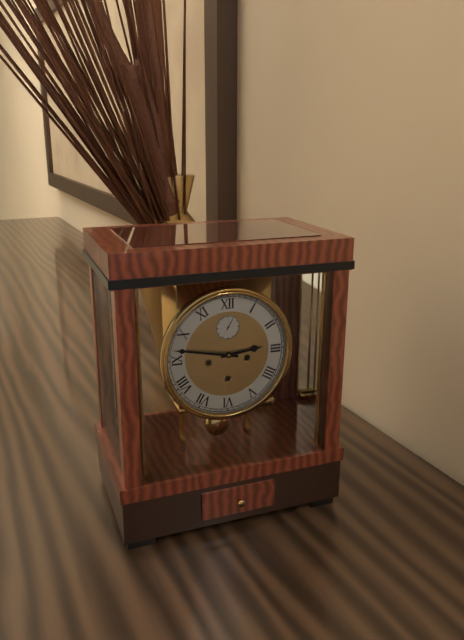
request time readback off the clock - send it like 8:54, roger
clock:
2:47
